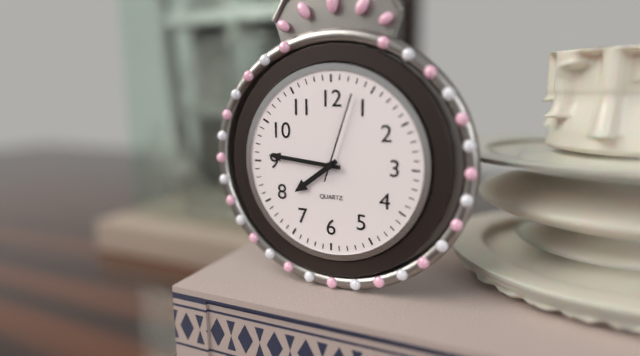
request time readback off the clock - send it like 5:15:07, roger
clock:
7:46:03
